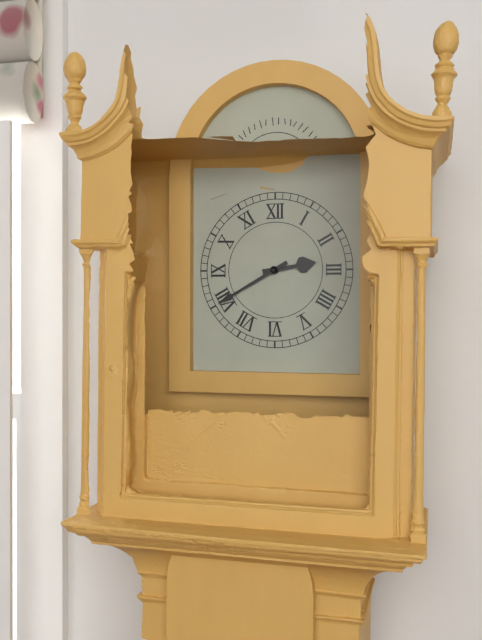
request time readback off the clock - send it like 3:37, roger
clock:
2:40
